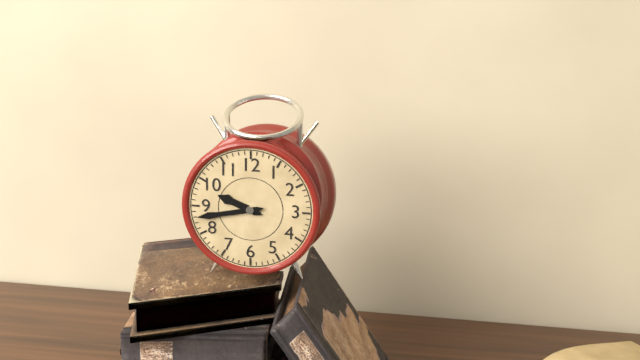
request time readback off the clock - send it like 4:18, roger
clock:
9:43
